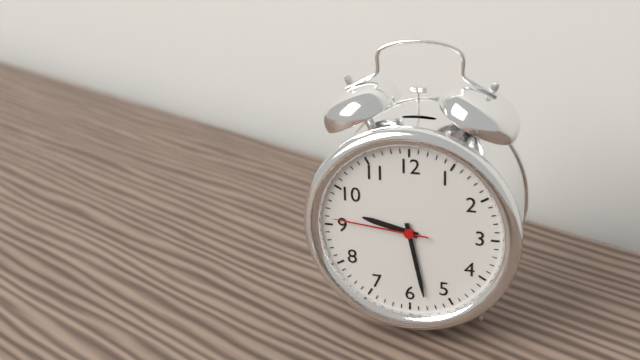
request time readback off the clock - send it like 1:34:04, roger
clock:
9:28:46
